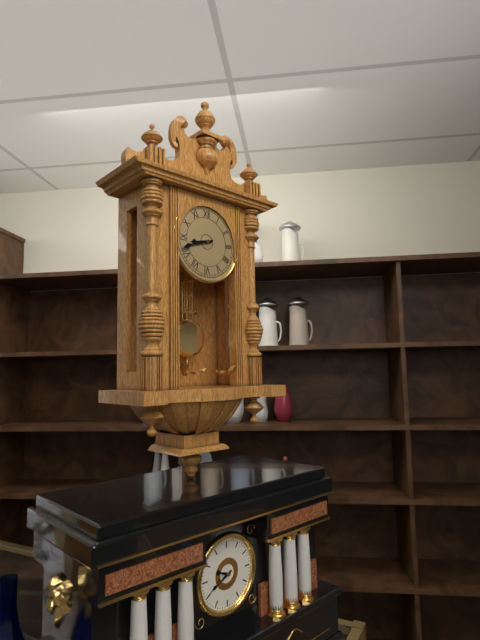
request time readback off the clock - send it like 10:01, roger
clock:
8:42
